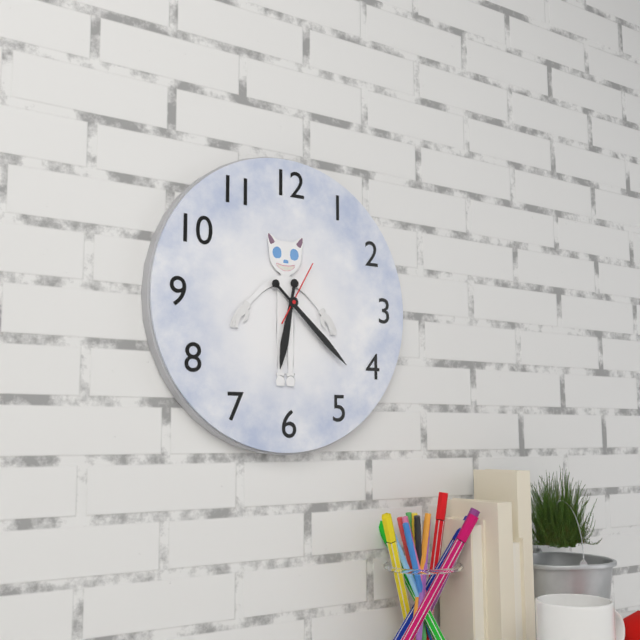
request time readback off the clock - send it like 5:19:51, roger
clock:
6:22:05
